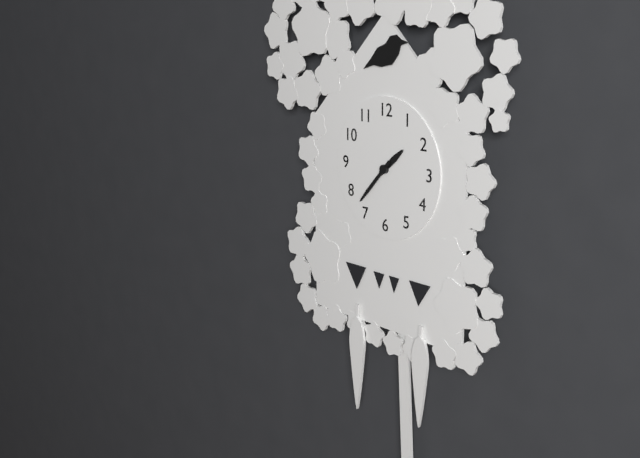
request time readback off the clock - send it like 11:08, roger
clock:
1:37
